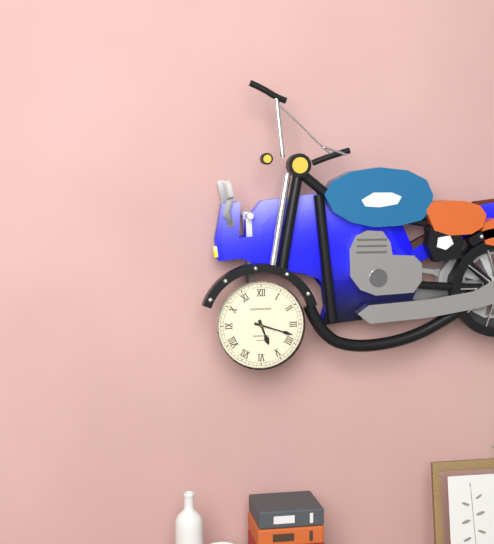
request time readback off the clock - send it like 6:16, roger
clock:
5:18
